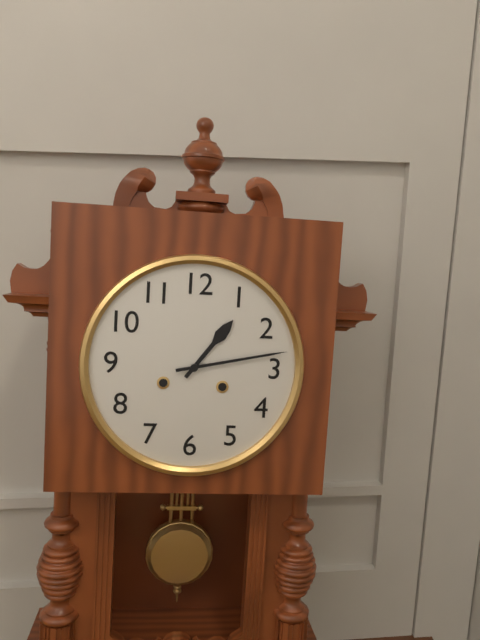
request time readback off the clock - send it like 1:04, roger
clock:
1:13
